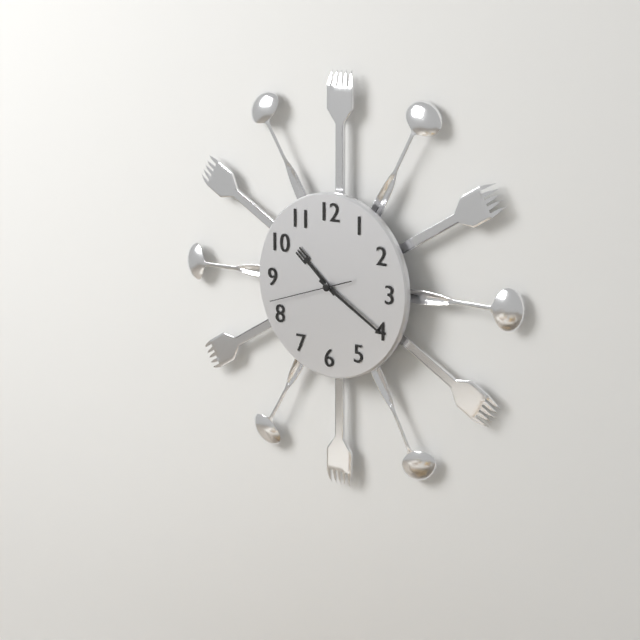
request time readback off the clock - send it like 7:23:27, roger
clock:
10:20:42
